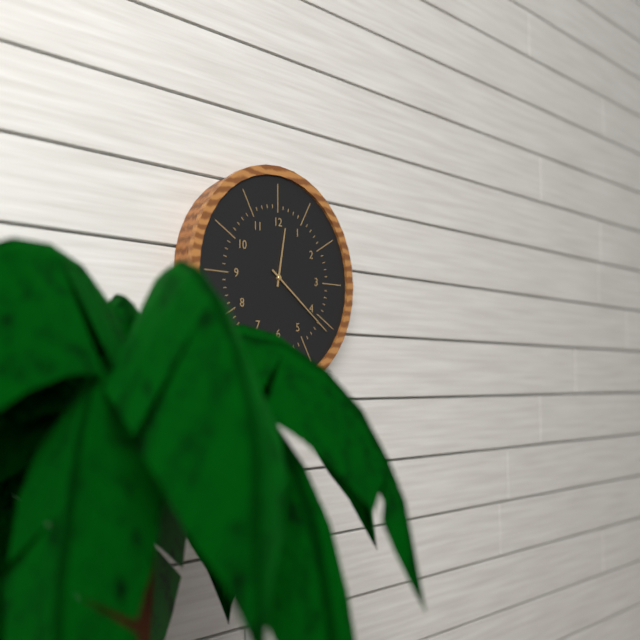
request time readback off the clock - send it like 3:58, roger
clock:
12:21
